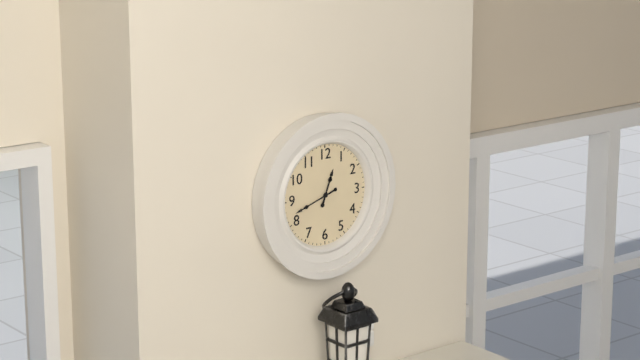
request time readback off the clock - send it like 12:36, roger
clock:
12:42
